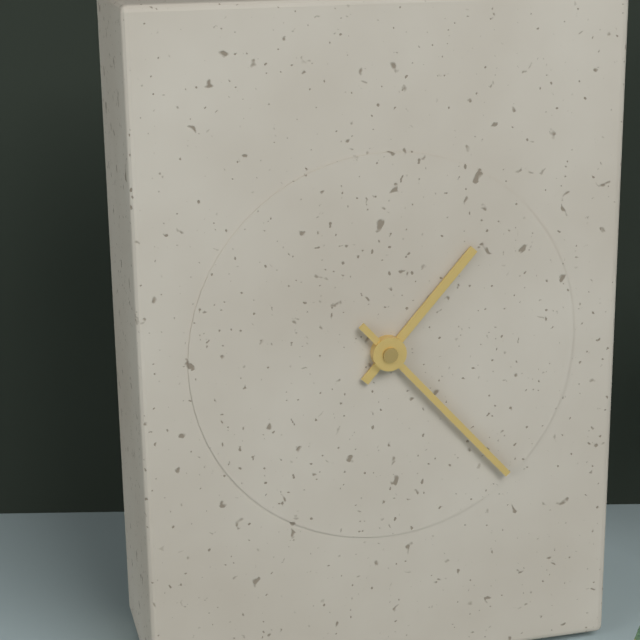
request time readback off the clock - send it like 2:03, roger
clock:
1:23
